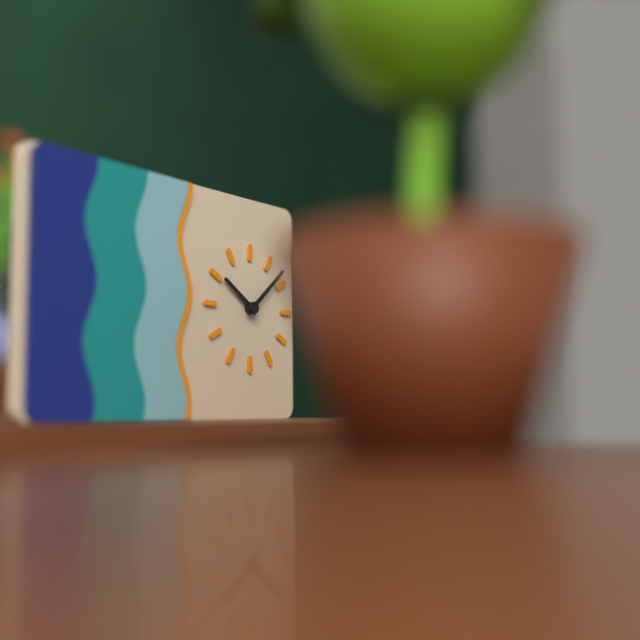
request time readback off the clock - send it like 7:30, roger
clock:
10:08
